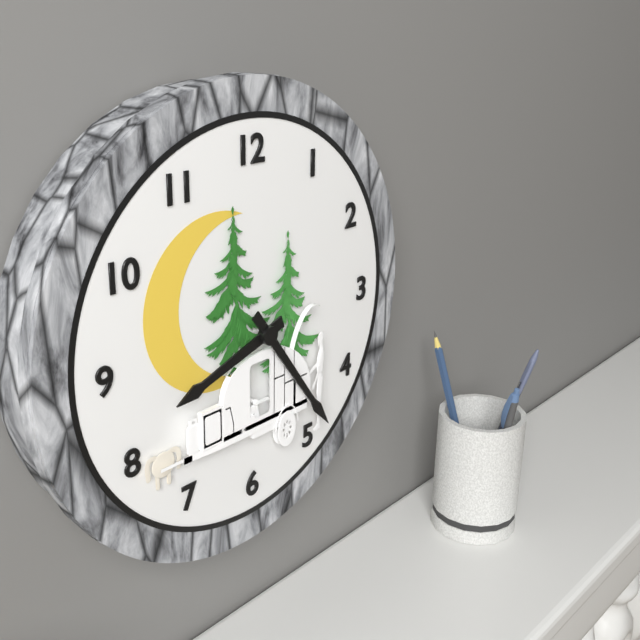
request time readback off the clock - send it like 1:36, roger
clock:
8:24
